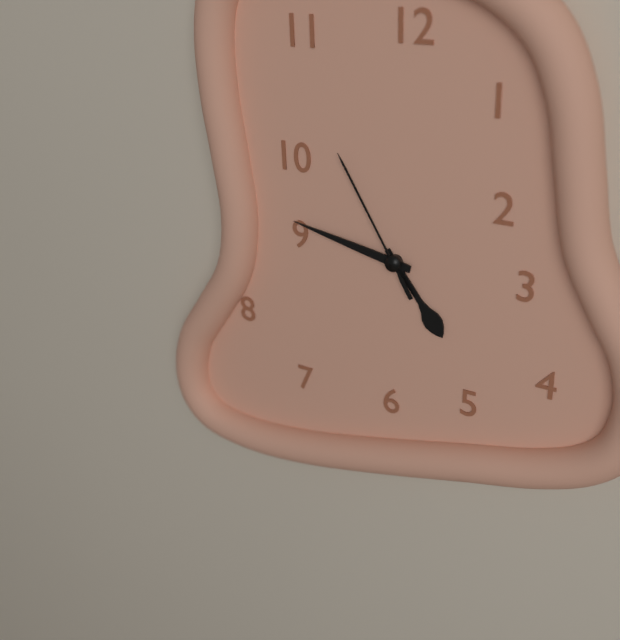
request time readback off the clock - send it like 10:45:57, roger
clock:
4:47:55
